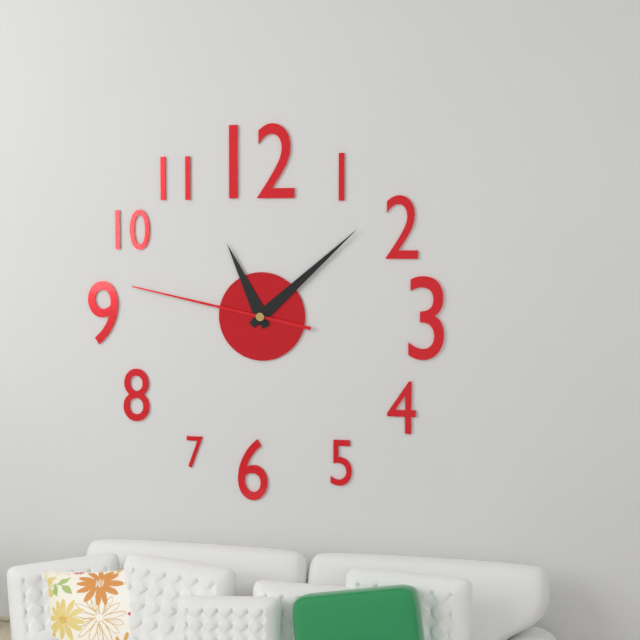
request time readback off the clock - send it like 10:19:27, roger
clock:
11:08:47
